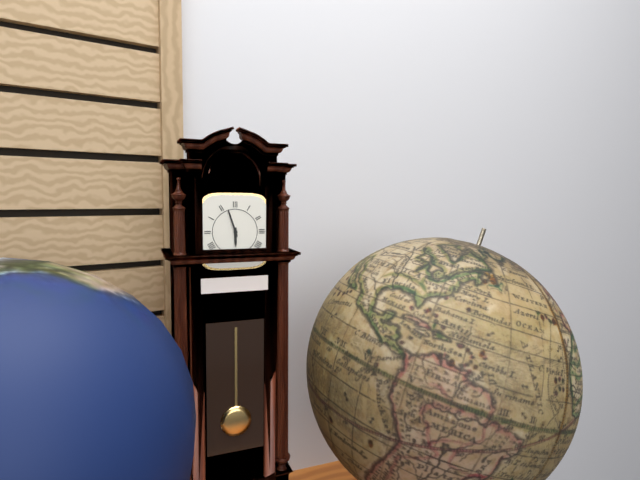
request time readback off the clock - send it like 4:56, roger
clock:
5:57
